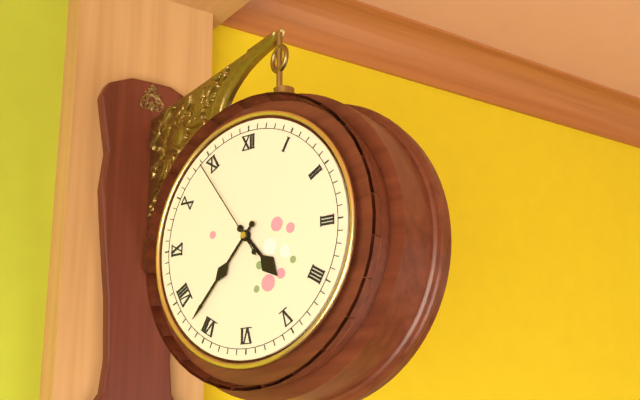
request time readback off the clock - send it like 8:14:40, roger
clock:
4:37:54
